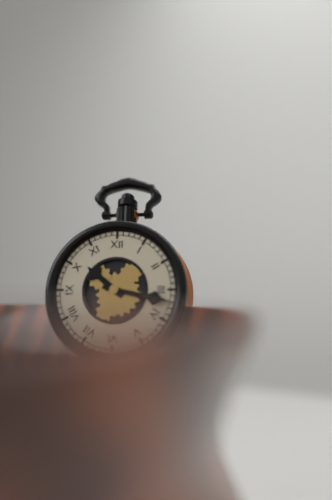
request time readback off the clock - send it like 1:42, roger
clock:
10:17
